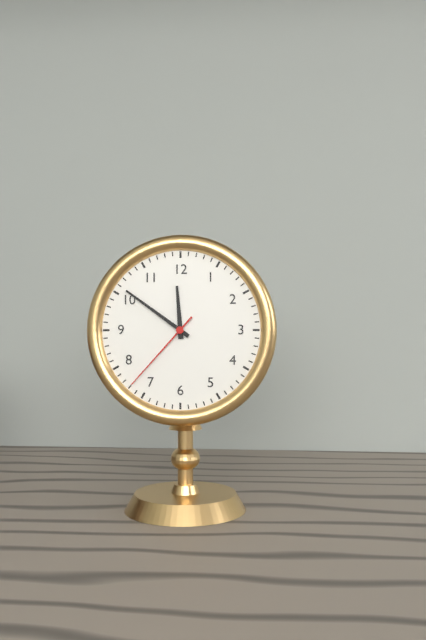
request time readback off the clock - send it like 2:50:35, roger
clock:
11:51:37
